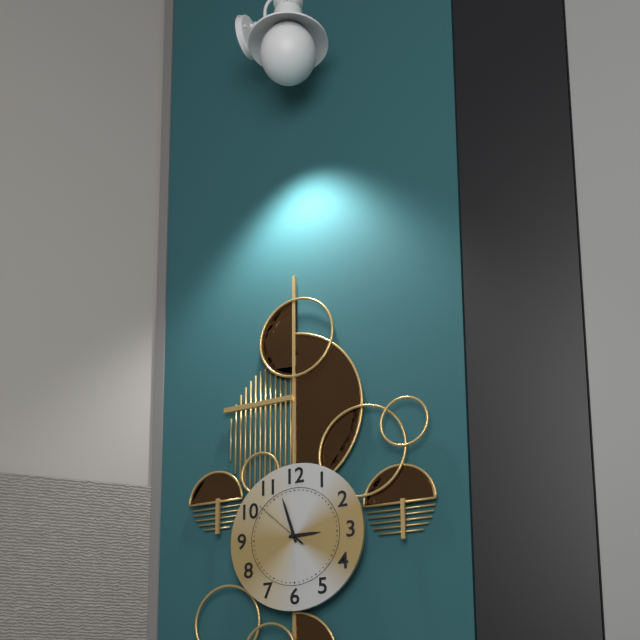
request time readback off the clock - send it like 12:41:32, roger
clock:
2:57:52
